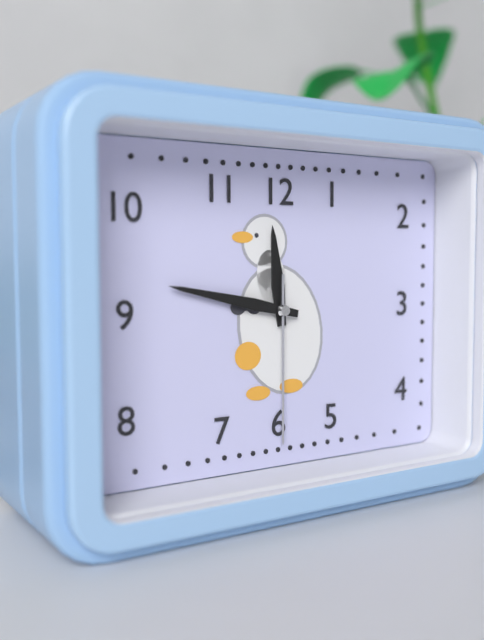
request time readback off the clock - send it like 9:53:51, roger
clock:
11:47:30
